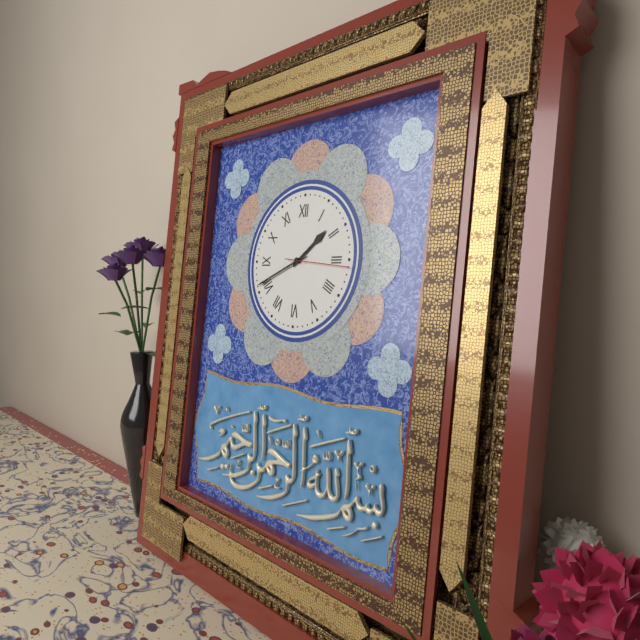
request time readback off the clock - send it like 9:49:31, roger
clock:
1:41:16
